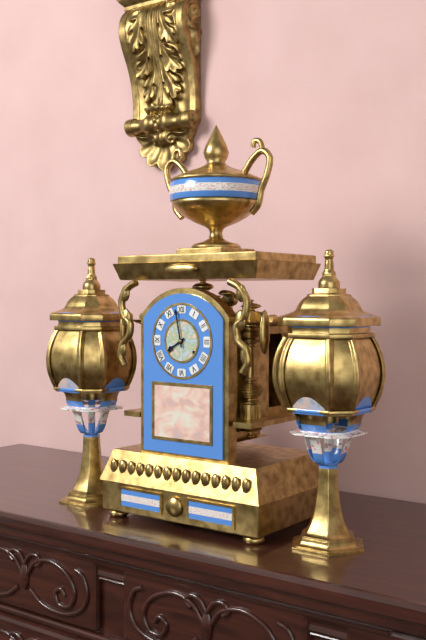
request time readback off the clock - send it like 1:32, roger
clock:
7:58
